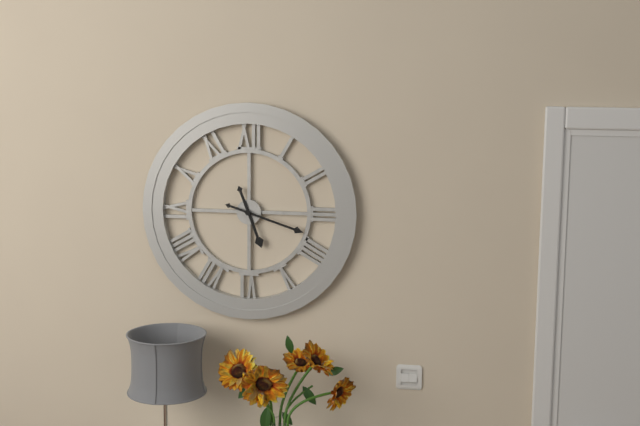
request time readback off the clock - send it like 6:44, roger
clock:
5:18
